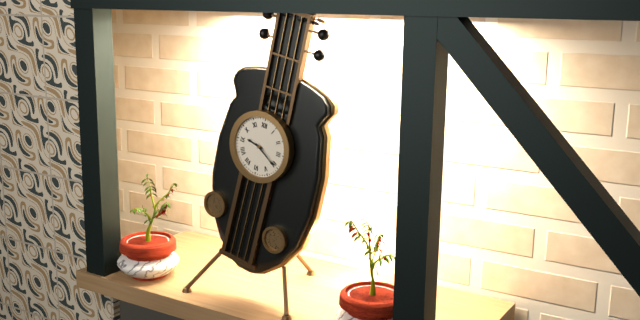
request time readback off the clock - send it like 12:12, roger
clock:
9:20
